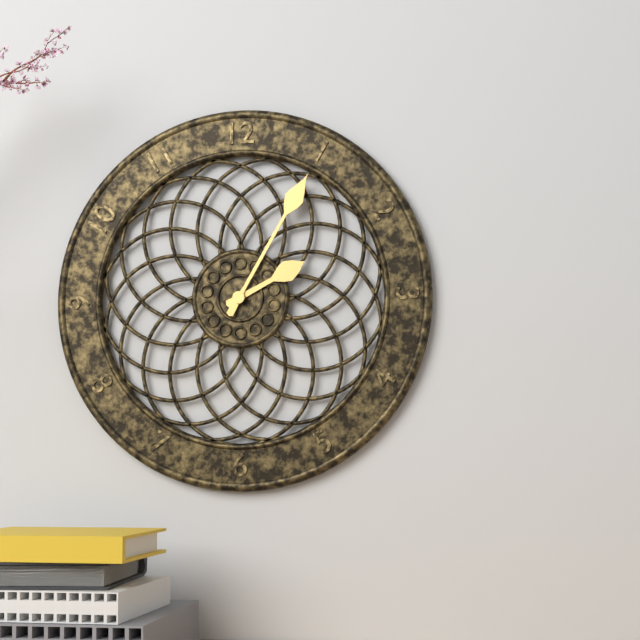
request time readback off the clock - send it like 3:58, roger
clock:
2:05
